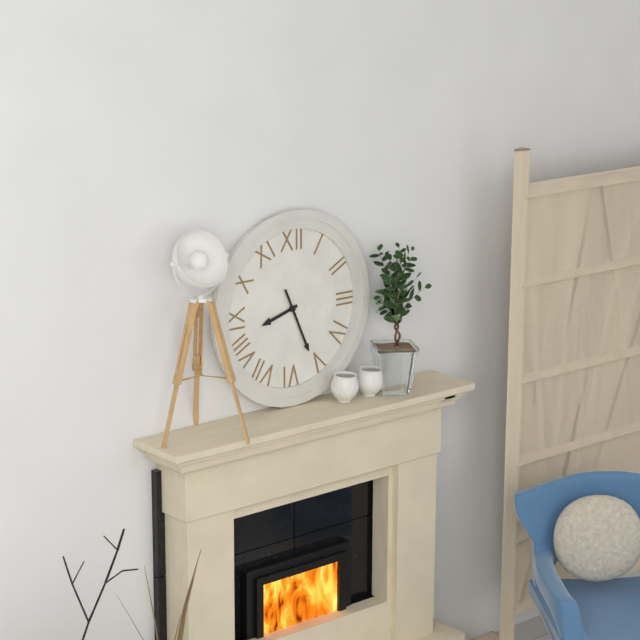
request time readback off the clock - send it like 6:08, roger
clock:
8:26
